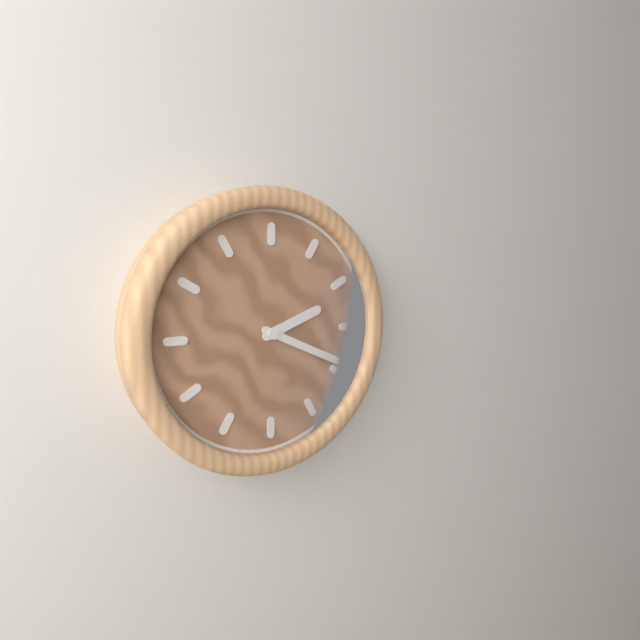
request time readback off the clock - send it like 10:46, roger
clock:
2:19
